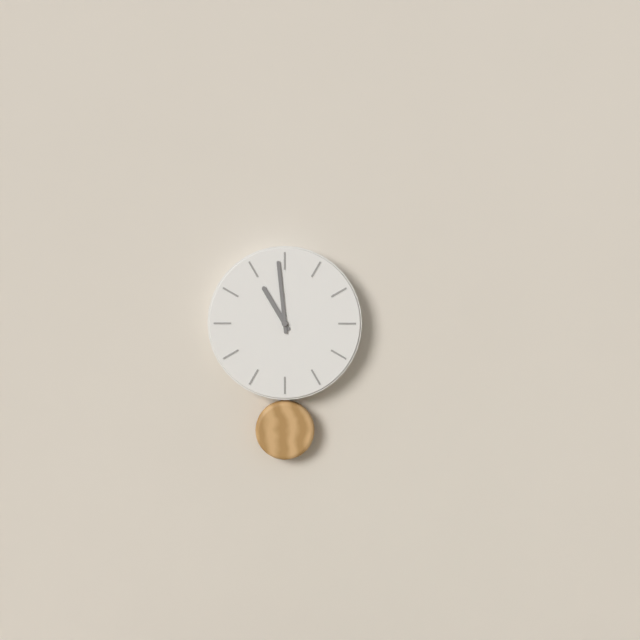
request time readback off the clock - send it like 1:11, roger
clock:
10:59
